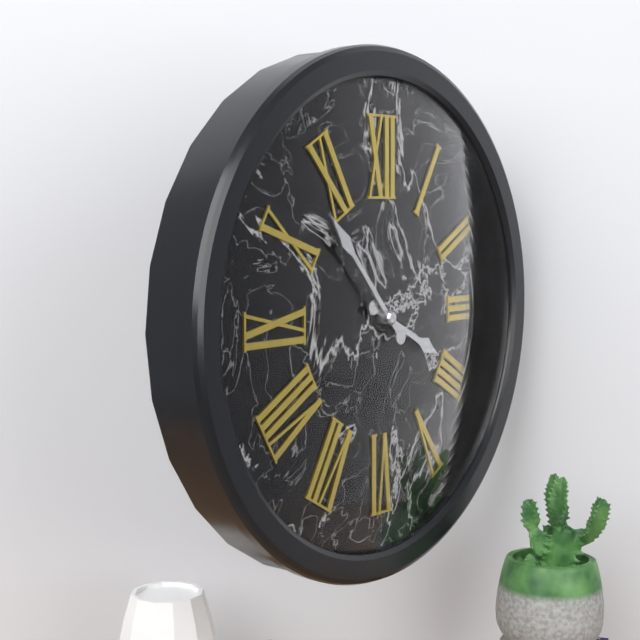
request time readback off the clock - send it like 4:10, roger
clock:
3:53
